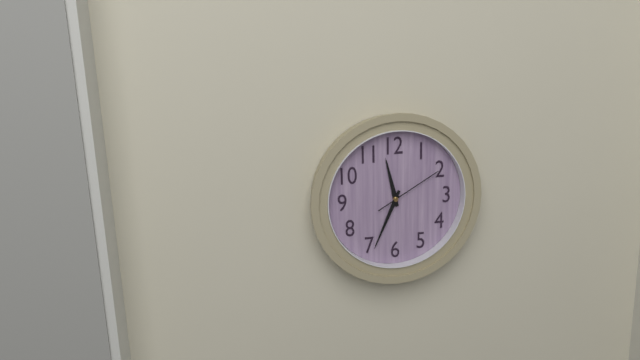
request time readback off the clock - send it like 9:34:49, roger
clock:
11:34:10
